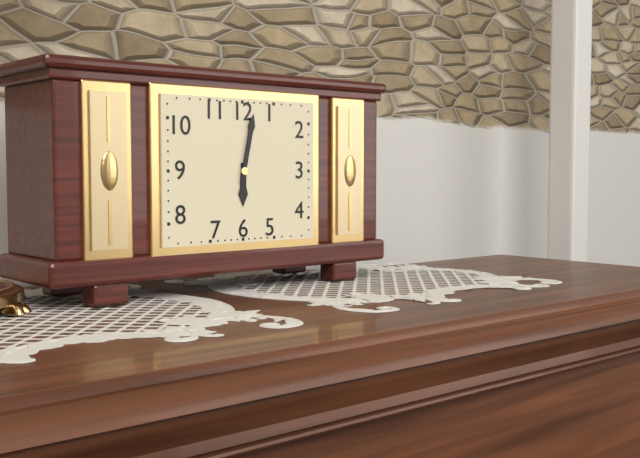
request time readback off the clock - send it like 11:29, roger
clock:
6:02
